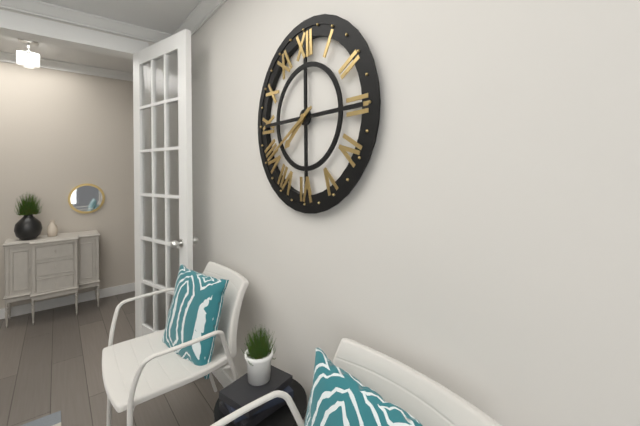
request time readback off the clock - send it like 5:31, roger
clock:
7:40
